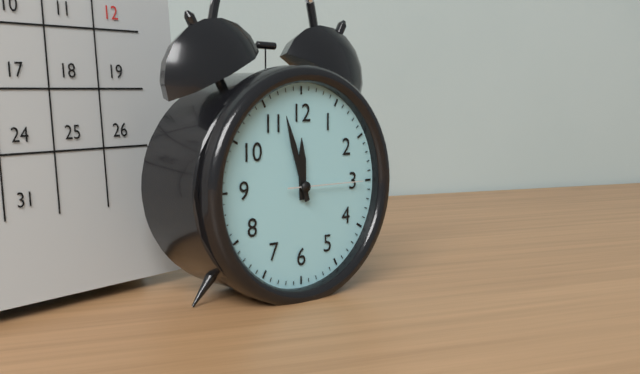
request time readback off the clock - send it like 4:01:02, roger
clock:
11:57:15
